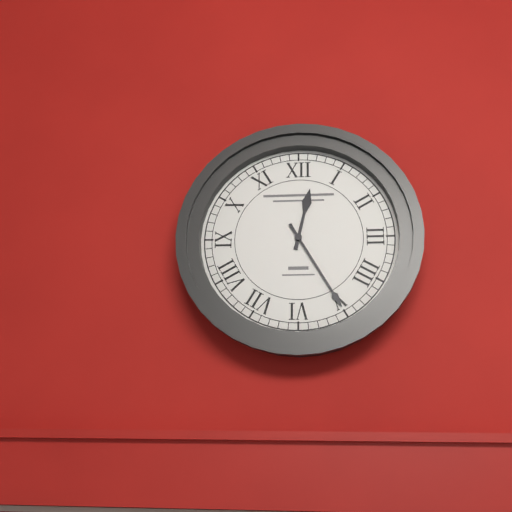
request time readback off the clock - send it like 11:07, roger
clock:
12:25
